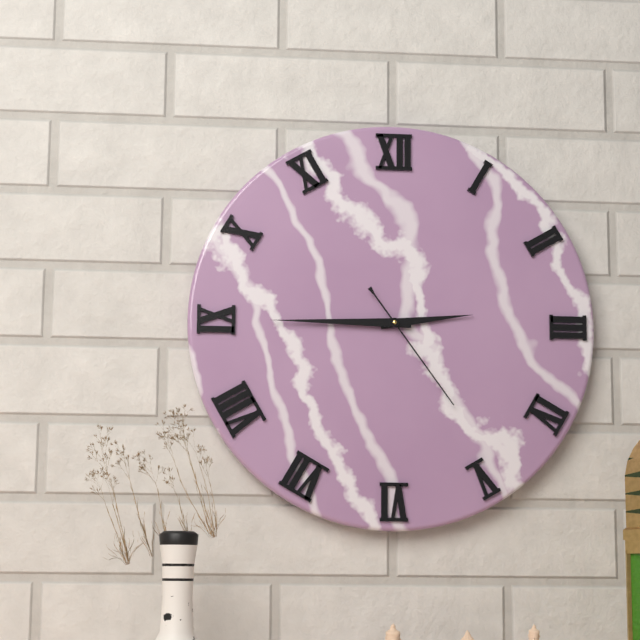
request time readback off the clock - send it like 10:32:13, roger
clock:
2:45:24
